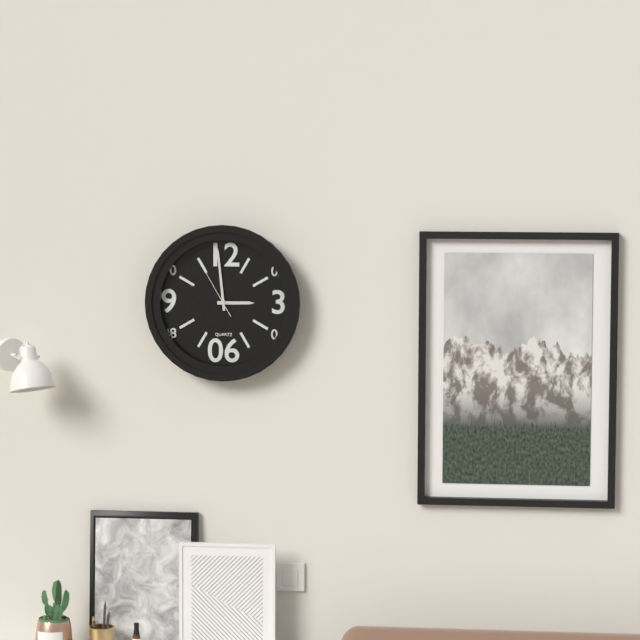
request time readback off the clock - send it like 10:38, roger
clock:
2:59
